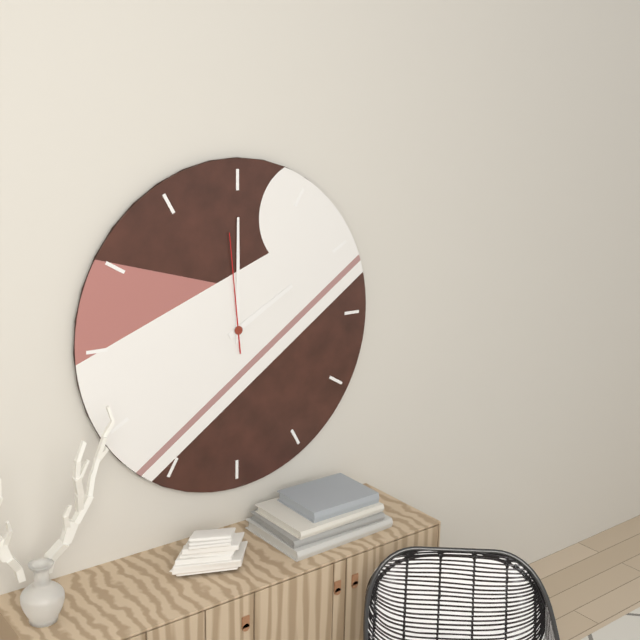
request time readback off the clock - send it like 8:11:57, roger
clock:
2:00:59
